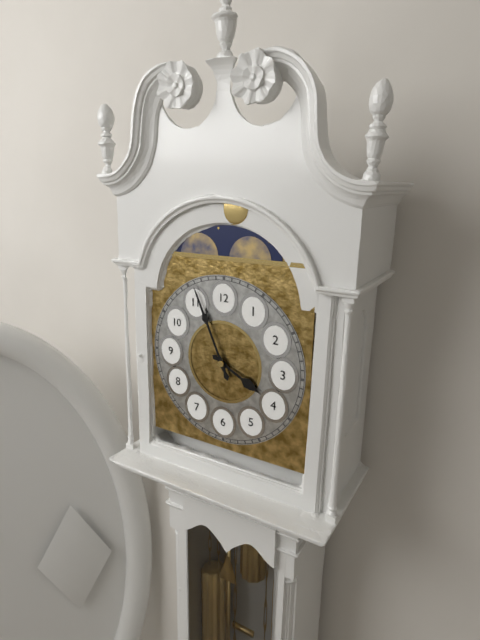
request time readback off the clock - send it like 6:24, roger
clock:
3:56
